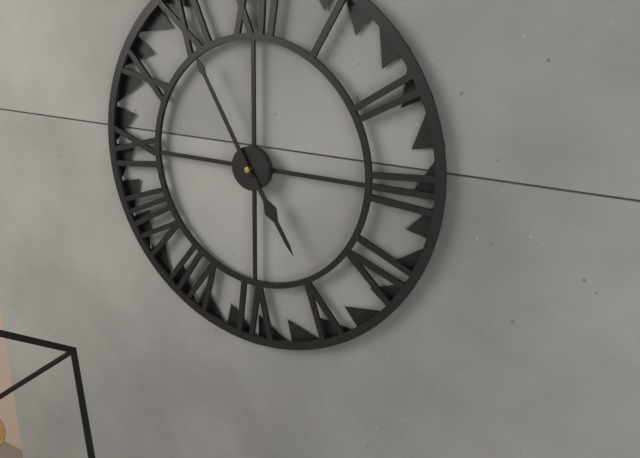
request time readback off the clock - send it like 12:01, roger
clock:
4:55
